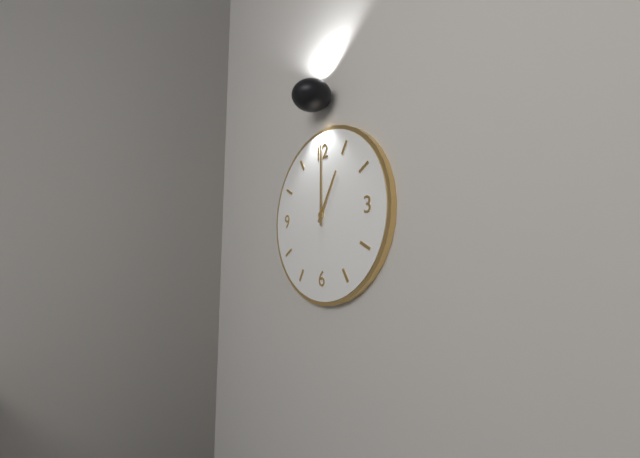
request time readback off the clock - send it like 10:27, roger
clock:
1:00
